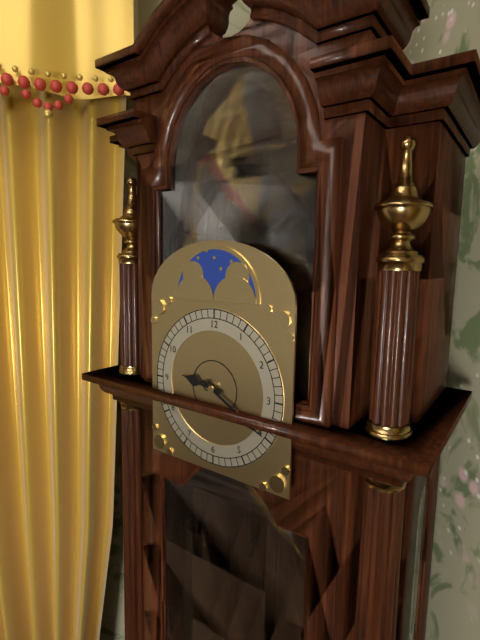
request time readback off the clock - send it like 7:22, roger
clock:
9:20
